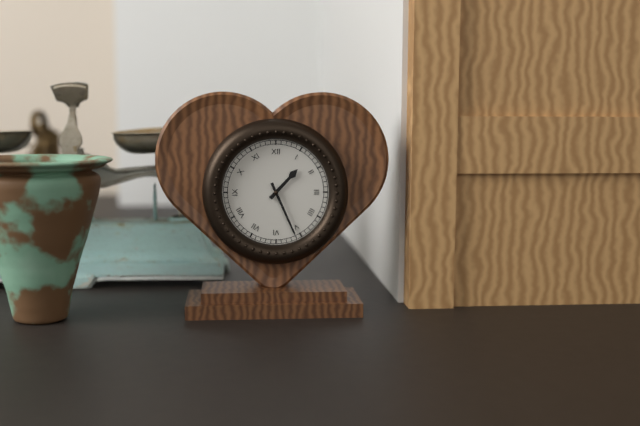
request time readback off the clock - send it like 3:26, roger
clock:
1:26
